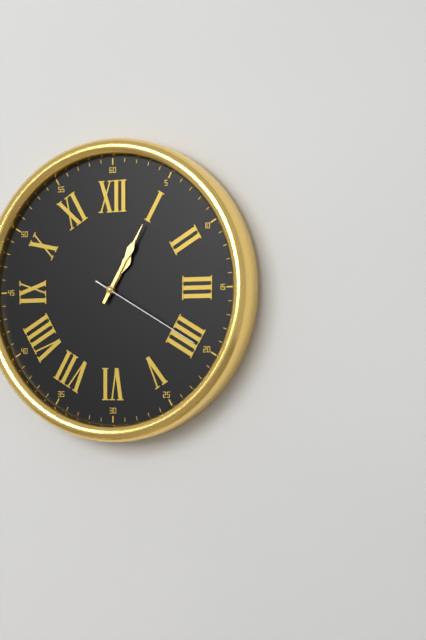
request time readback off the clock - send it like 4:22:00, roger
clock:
1:05:20
